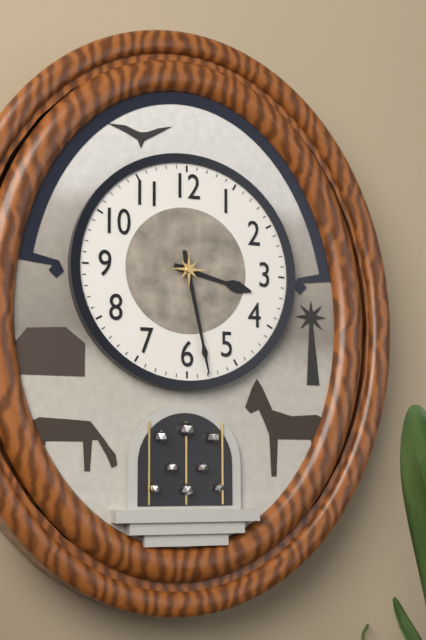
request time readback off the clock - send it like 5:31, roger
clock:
3:28
